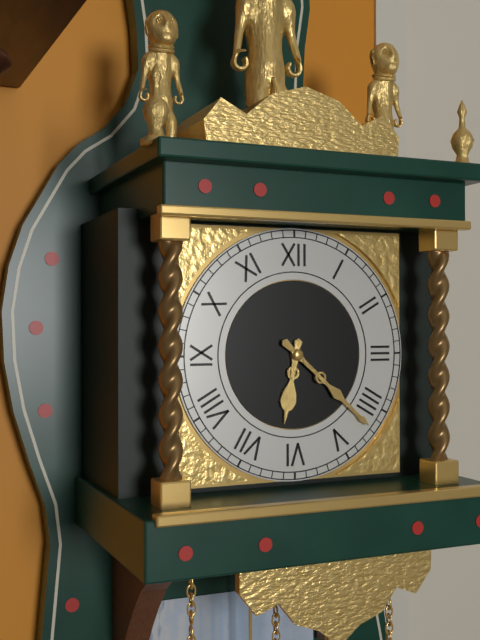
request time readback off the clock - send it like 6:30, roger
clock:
6:22
